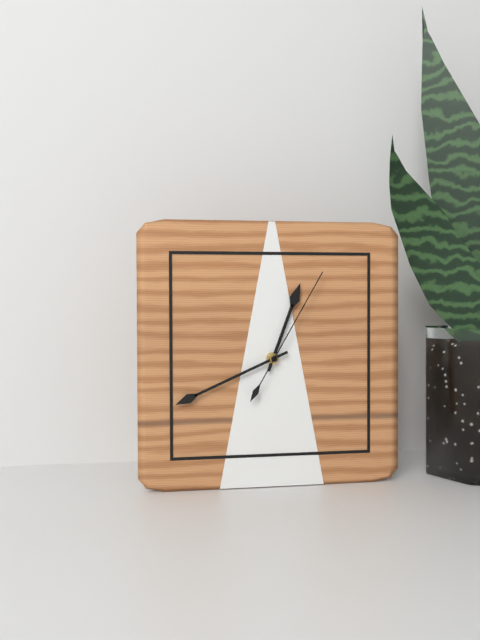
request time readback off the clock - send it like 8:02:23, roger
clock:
12:41:05
